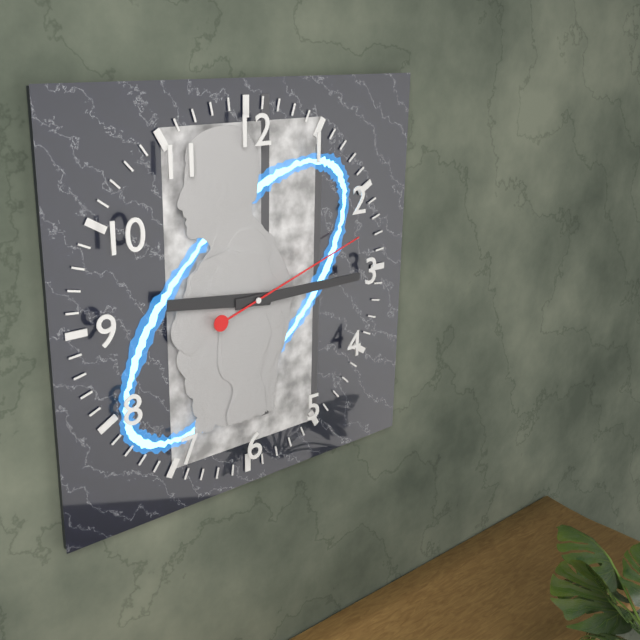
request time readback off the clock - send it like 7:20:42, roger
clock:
9:15:12
